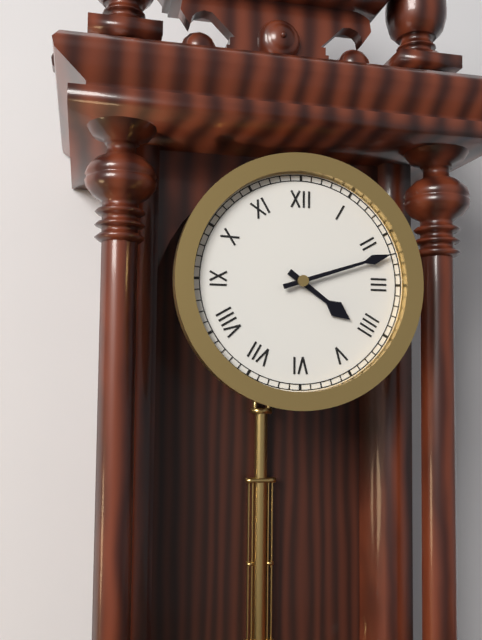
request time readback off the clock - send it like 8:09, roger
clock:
4:12
